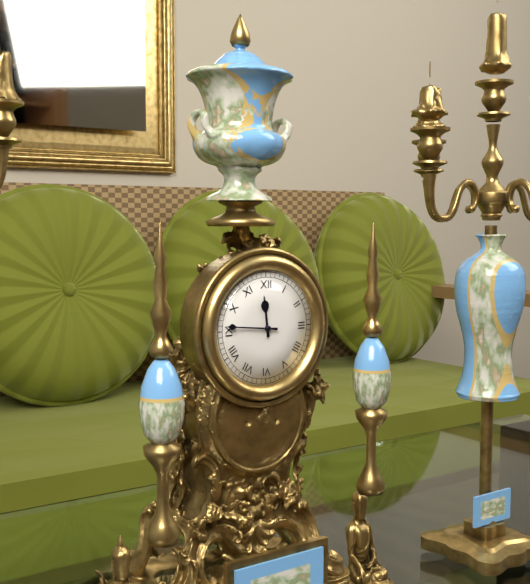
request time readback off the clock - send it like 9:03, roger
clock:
11:46
